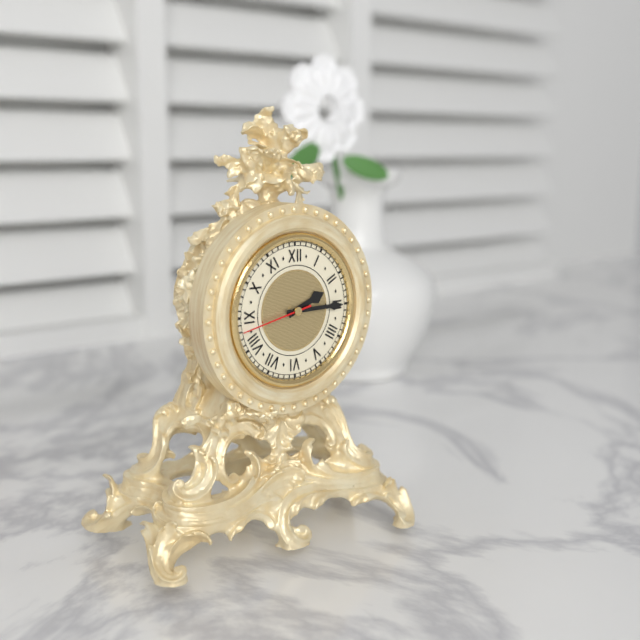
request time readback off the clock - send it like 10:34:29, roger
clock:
2:15:43
